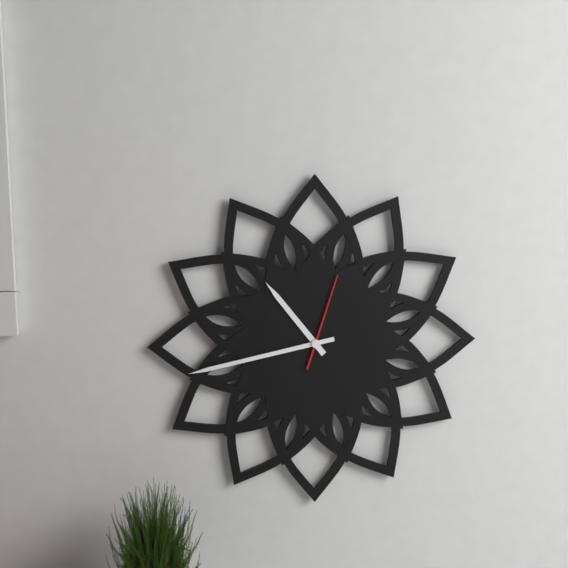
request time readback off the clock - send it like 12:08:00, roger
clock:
10:43:03
